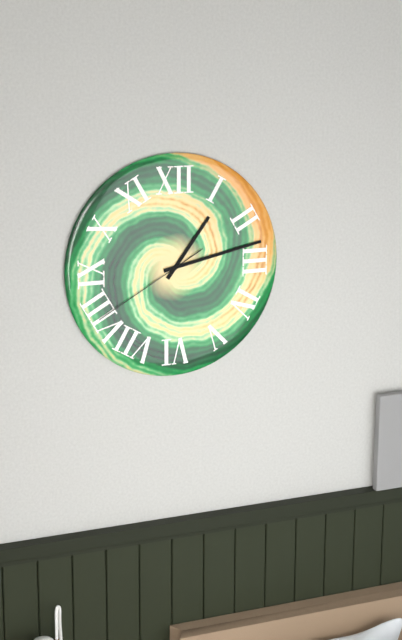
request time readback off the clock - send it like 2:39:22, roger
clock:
1:13:40
